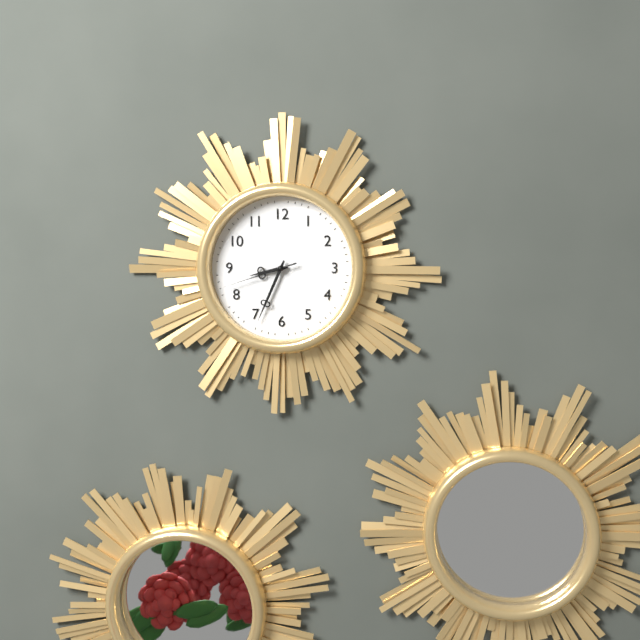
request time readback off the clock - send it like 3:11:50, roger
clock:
8:34:42
